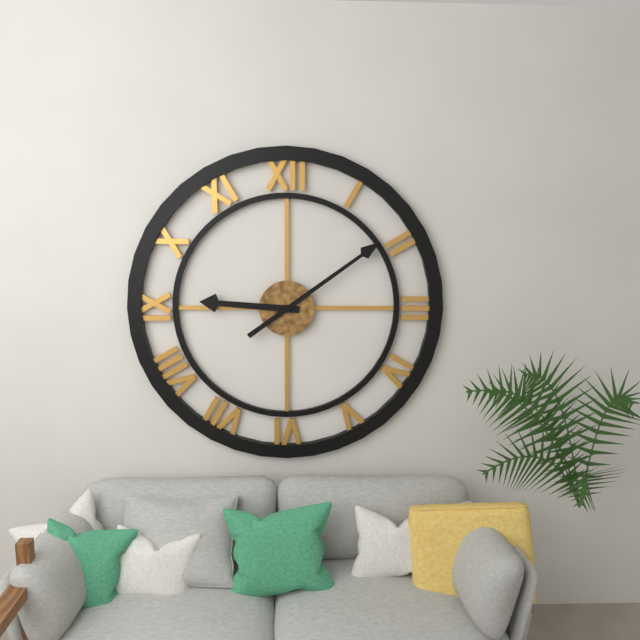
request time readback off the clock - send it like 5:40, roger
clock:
9:09
